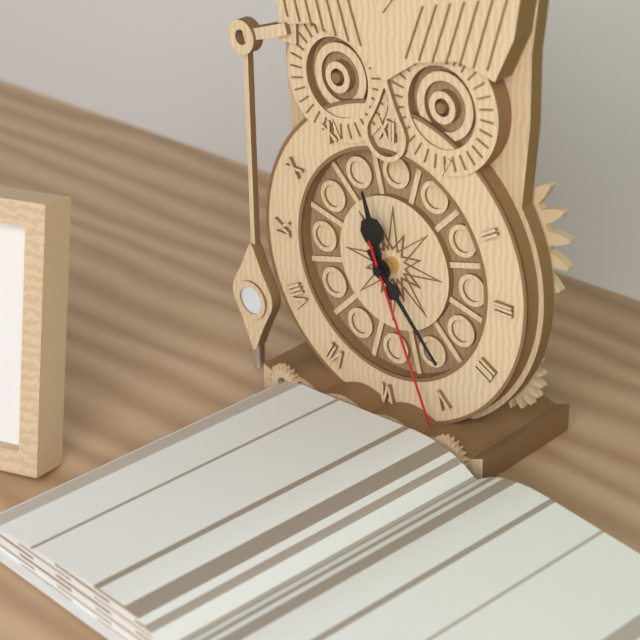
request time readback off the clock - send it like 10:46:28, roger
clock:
11:23:26
